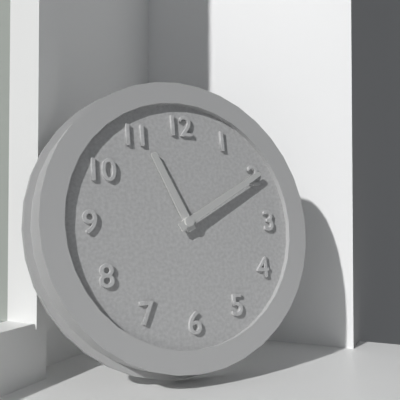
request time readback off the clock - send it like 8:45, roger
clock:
11:10
